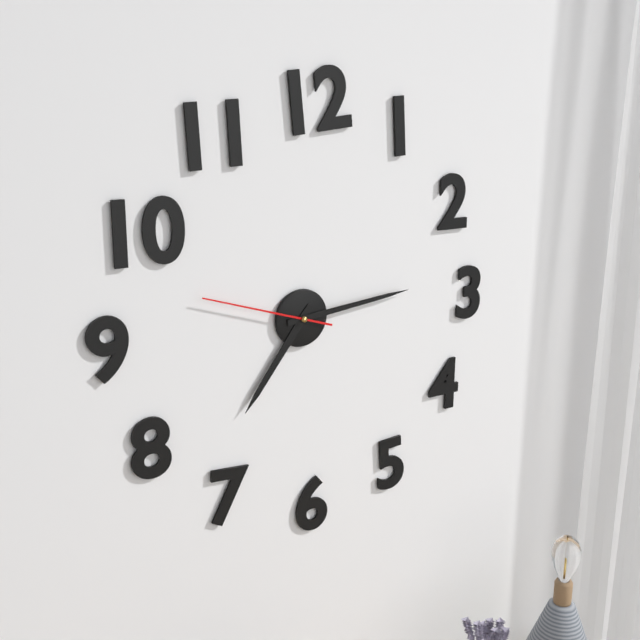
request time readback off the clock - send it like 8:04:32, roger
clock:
7:14:48
